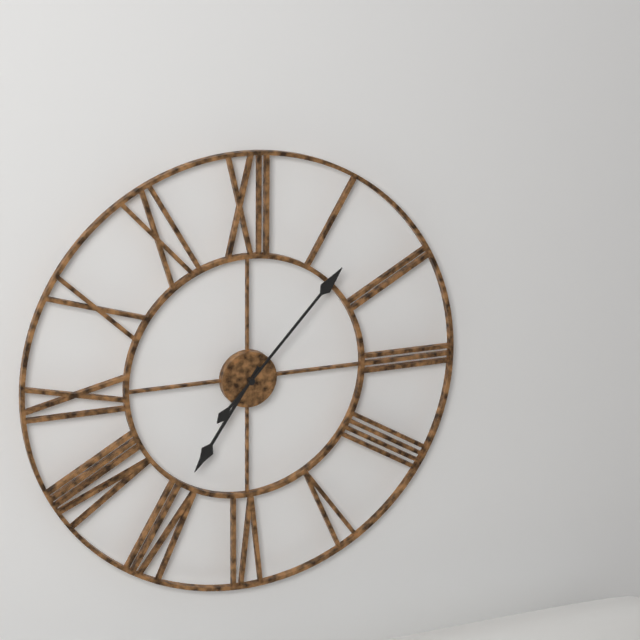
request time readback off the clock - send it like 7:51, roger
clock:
7:07
